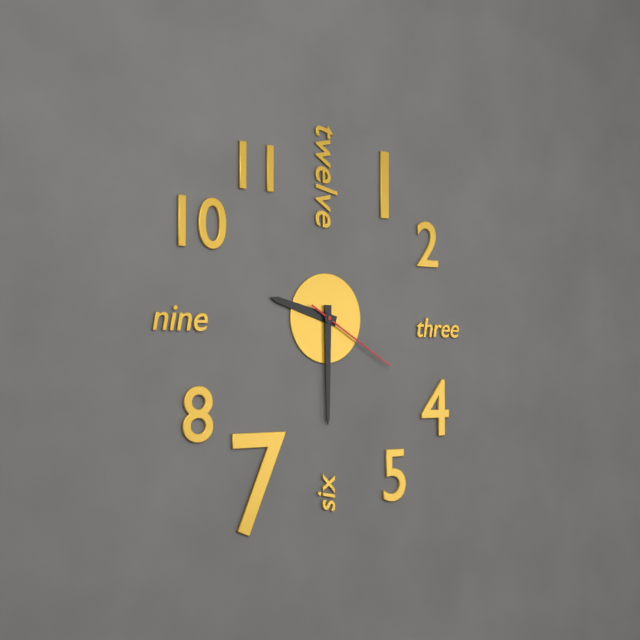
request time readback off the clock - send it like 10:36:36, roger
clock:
9:30:20
